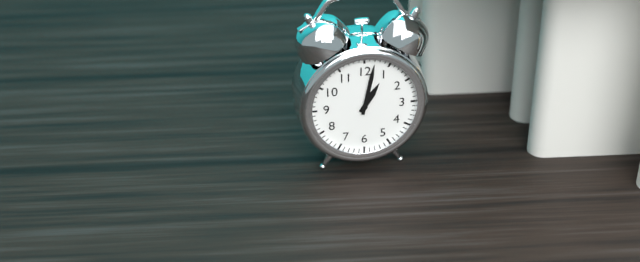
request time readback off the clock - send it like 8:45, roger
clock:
1:02
